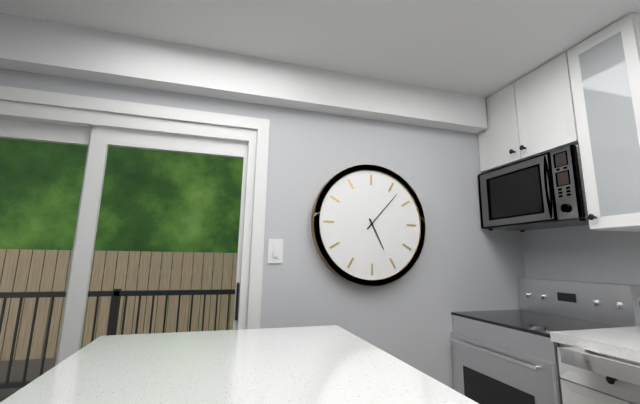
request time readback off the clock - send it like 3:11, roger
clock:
5:07
